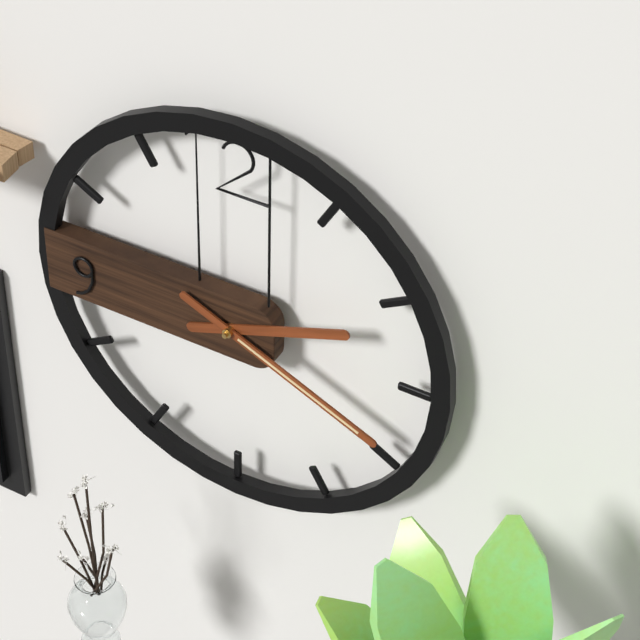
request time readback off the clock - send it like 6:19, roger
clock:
2:19
